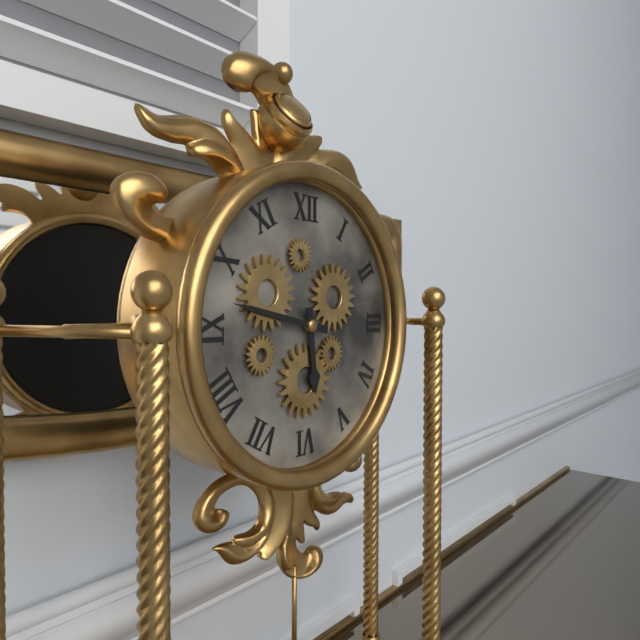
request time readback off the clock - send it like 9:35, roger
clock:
5:47
